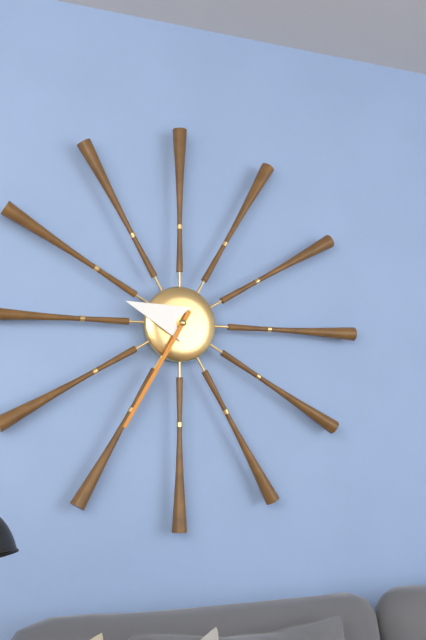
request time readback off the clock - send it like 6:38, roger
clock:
9:35
